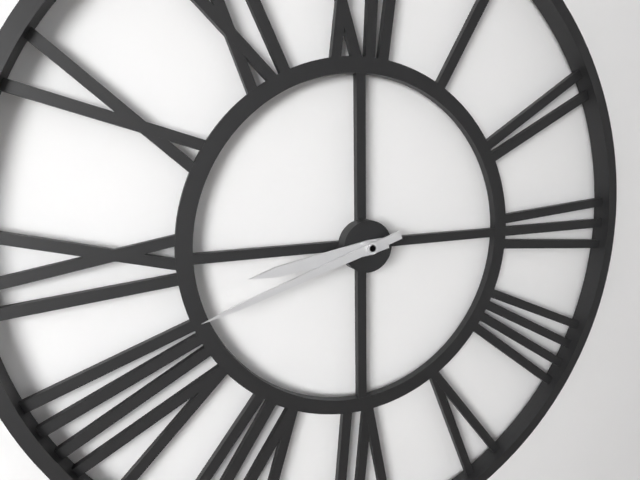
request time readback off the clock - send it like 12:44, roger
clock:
8:42
